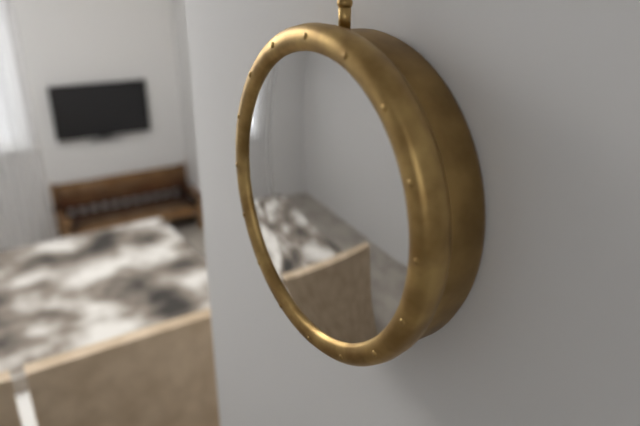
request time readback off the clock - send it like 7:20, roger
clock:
5:26
